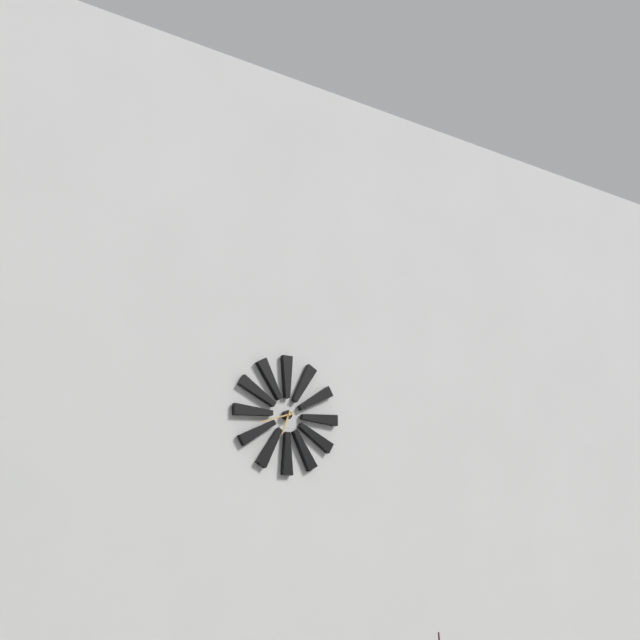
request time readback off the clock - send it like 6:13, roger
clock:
6:42
